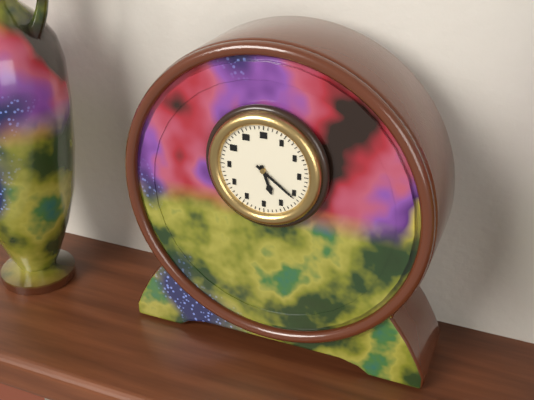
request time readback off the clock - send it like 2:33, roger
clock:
5:21
